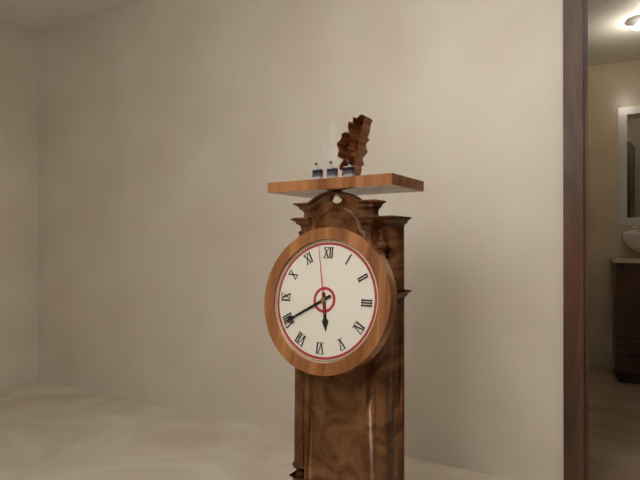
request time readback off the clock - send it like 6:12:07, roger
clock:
5:40:58
